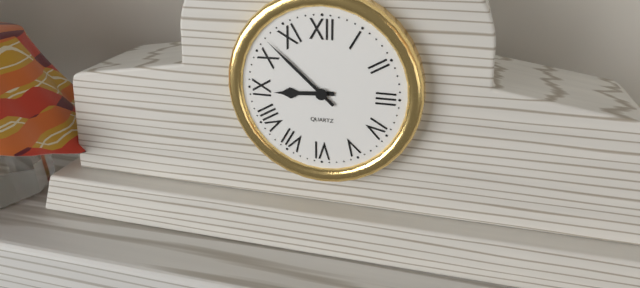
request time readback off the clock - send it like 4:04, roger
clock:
8:52
